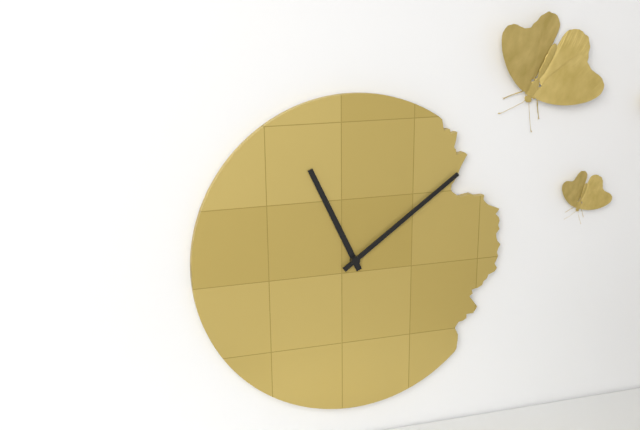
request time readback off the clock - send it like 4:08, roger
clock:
11:09
